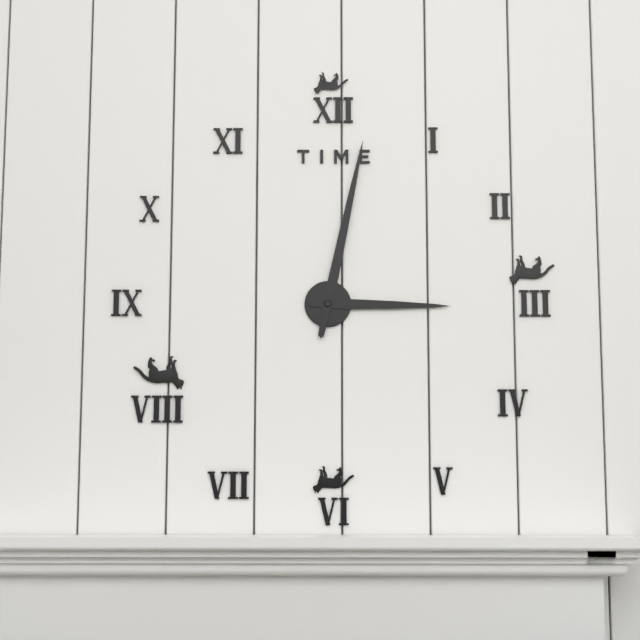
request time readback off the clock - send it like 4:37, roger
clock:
3:02
